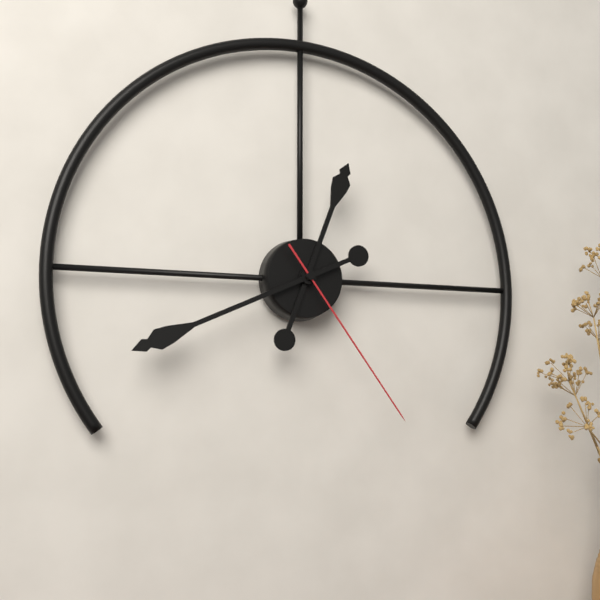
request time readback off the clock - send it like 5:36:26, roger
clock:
12:41:24
